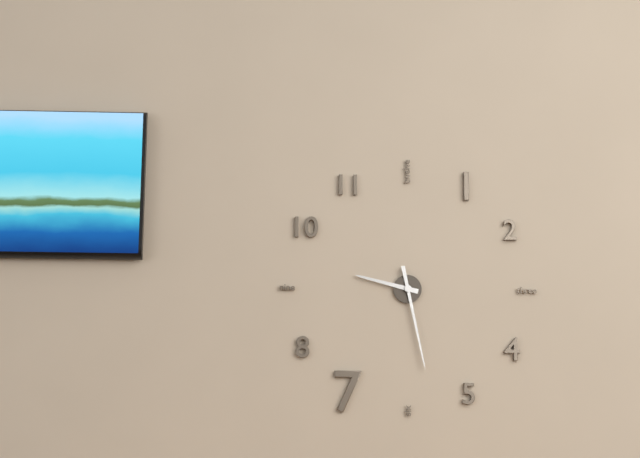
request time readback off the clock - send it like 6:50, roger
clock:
9:28
